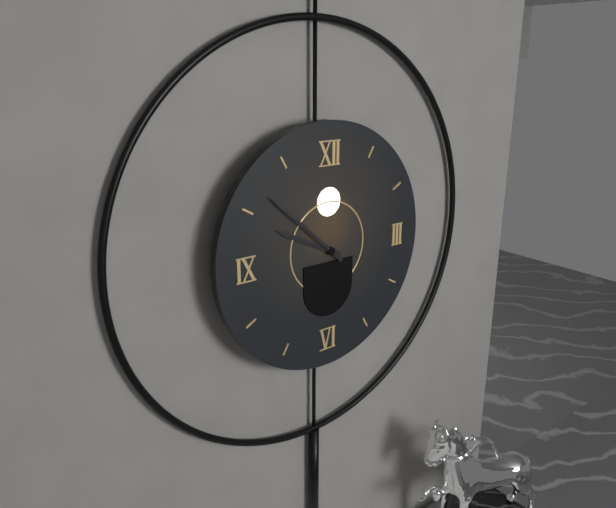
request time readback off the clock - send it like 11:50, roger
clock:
9:52
